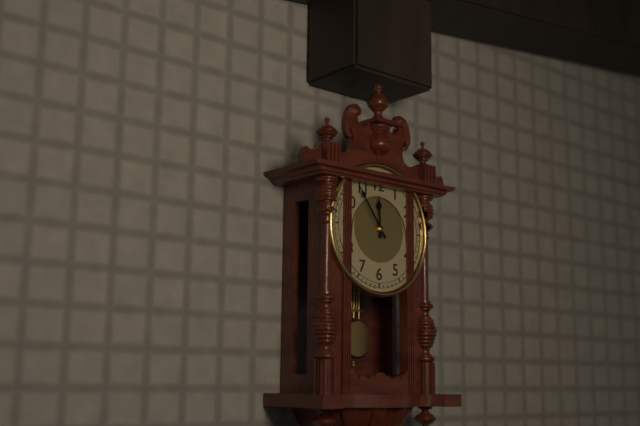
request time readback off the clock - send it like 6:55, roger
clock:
11:54
